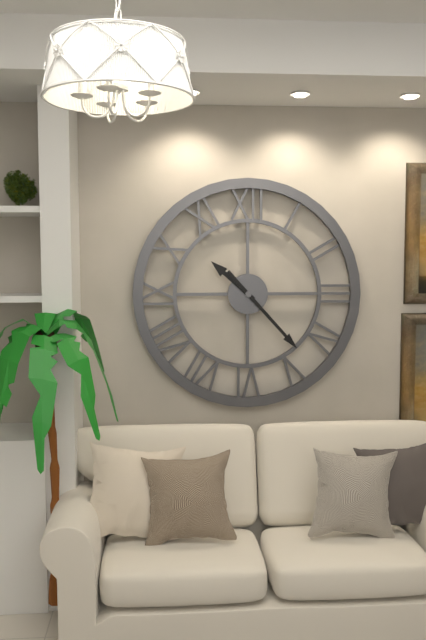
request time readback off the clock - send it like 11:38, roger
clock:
10:23
